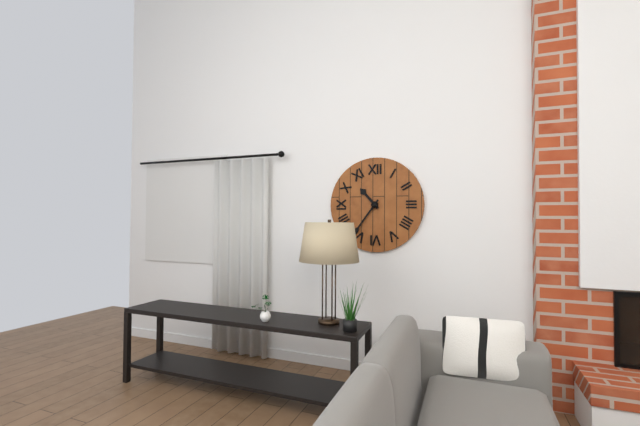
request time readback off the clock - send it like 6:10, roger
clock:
10:36
